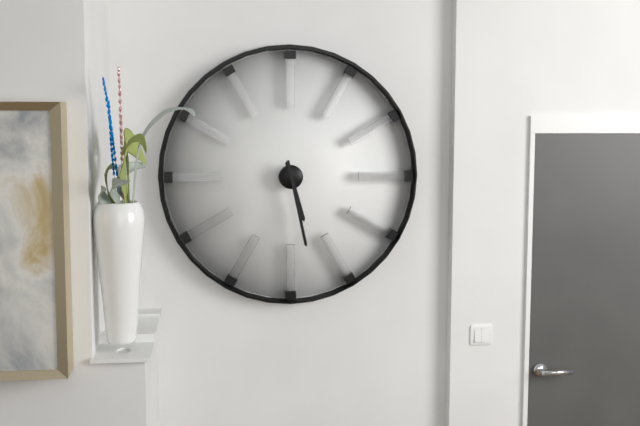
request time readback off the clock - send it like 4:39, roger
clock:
5:28
